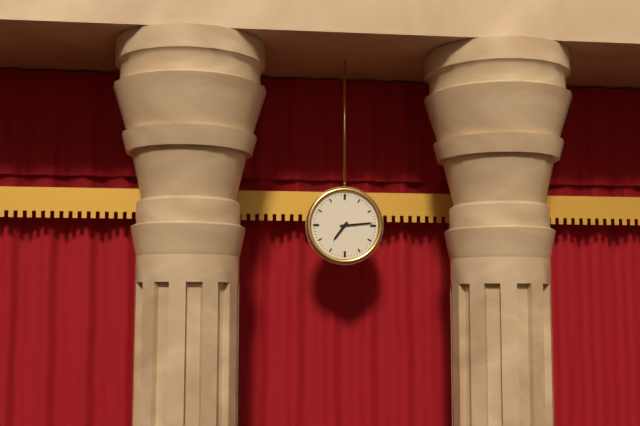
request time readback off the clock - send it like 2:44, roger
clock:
7:14
